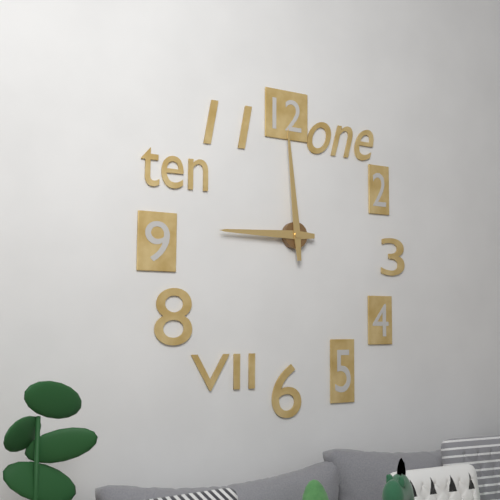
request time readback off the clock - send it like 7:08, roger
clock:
8:59
